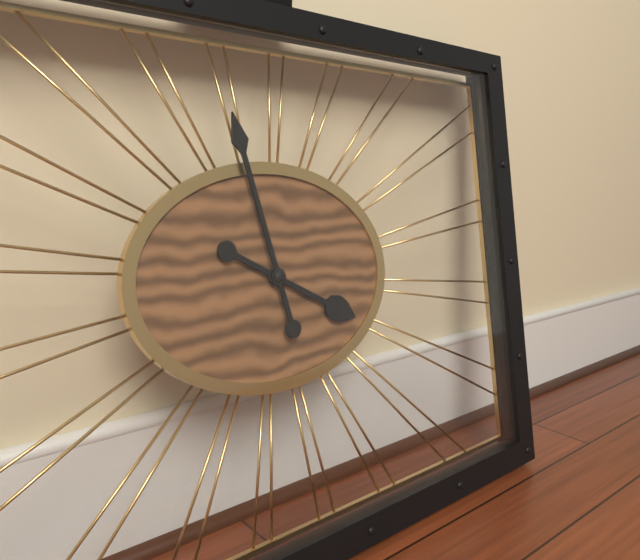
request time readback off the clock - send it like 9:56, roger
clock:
3:58
